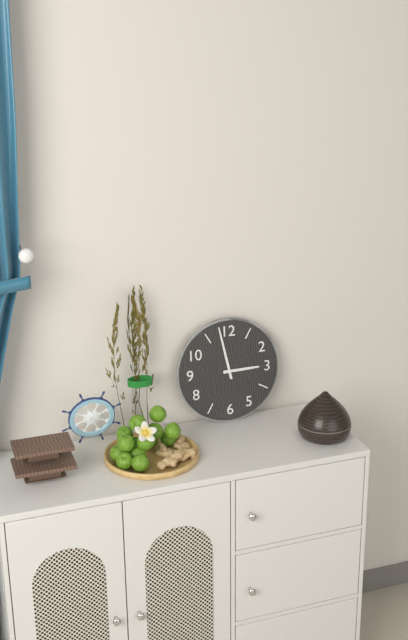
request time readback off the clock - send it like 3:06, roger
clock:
2:58
